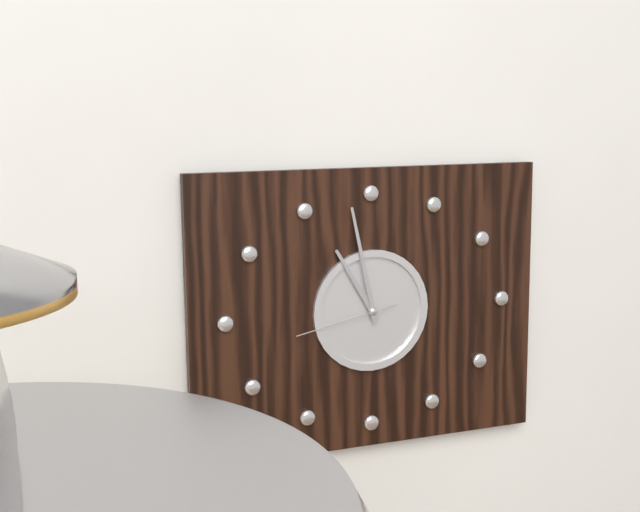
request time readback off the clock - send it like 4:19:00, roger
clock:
10:58:43
